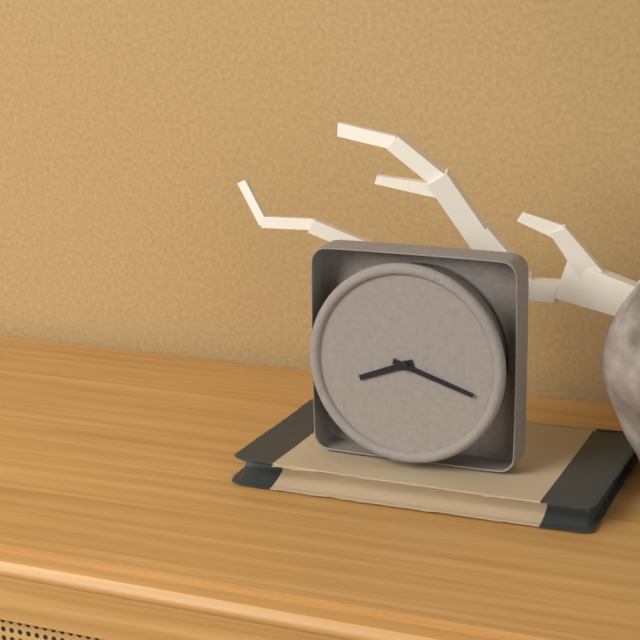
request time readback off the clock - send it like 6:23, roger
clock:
8:18
